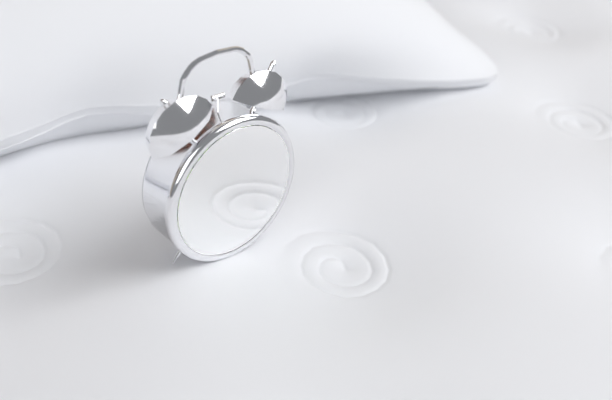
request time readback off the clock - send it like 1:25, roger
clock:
6:41
